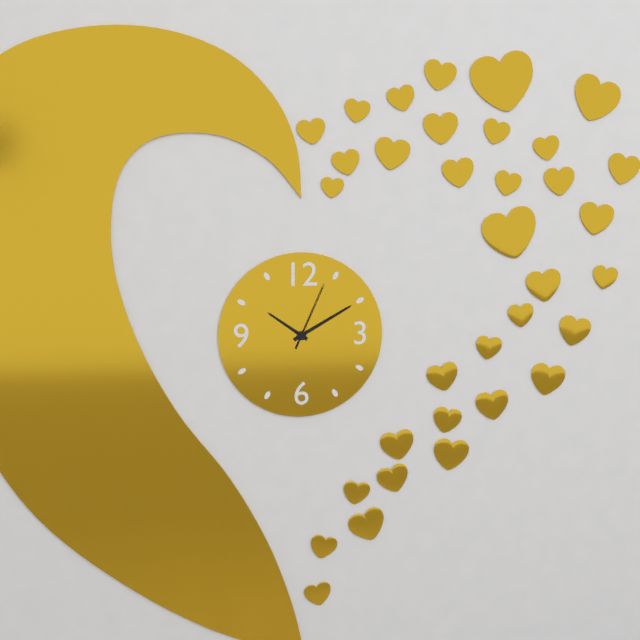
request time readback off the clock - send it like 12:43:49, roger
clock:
10:10:04
